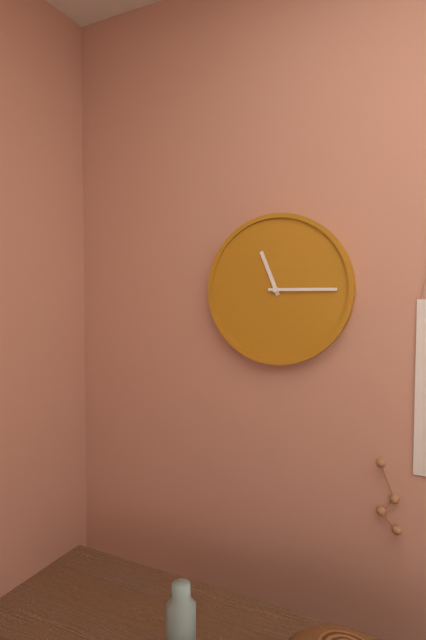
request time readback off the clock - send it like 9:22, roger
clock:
11:15
